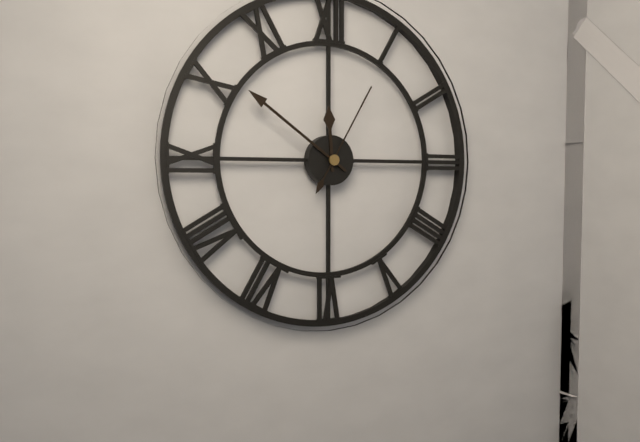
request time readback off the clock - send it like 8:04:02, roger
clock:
11:51:05
